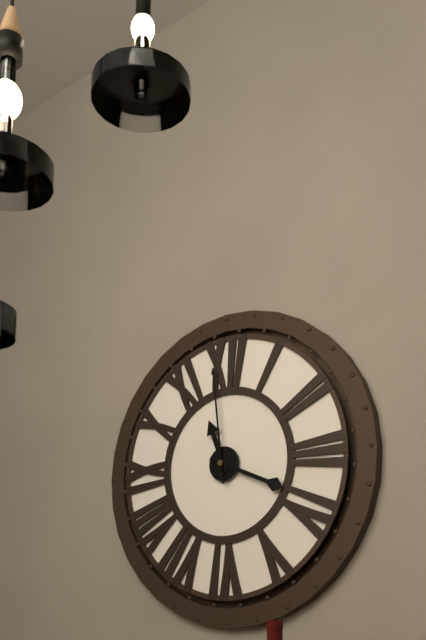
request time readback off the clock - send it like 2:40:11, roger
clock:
11:19:59
